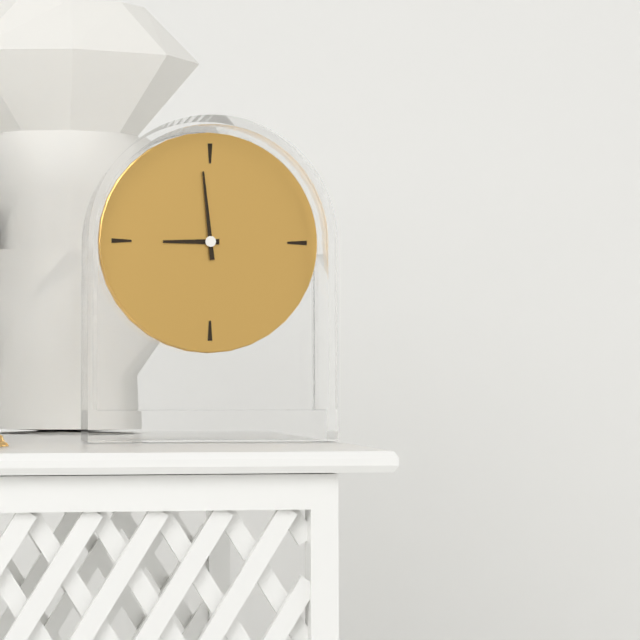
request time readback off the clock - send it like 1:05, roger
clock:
8:59
